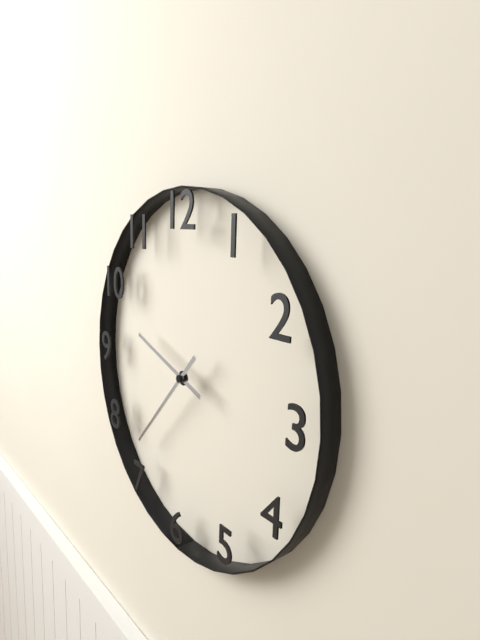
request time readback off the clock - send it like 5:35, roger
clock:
9:37
